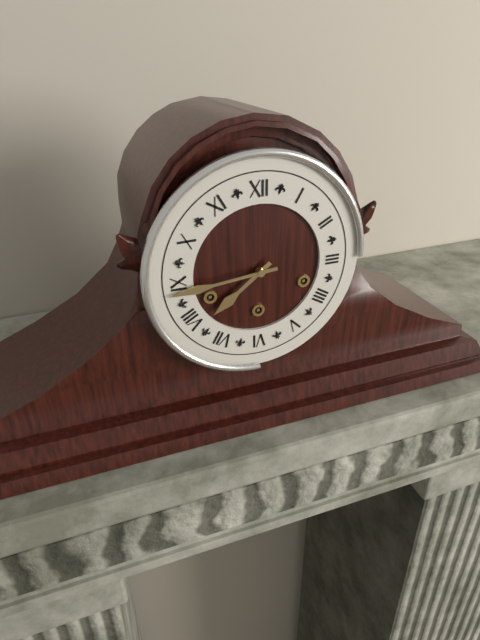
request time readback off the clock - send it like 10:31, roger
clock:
7:44
